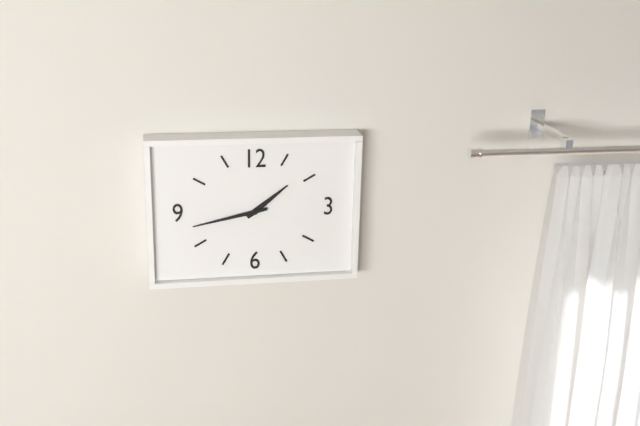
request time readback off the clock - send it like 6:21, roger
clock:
1:43
